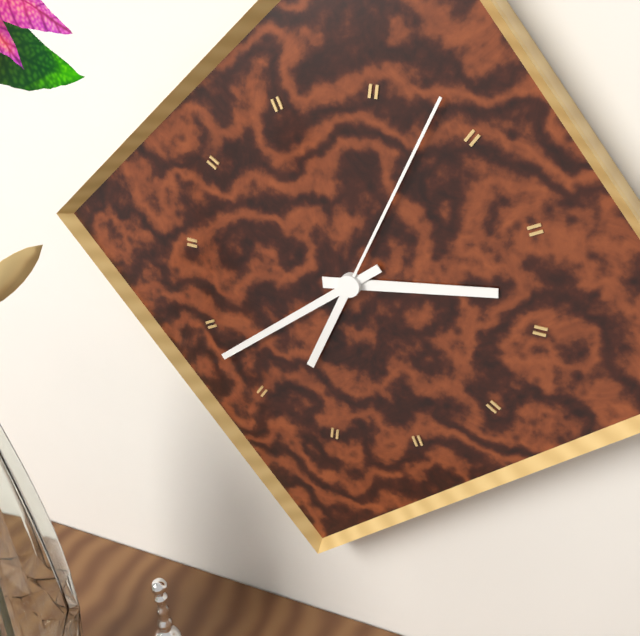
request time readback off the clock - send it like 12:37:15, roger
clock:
2:38:03
